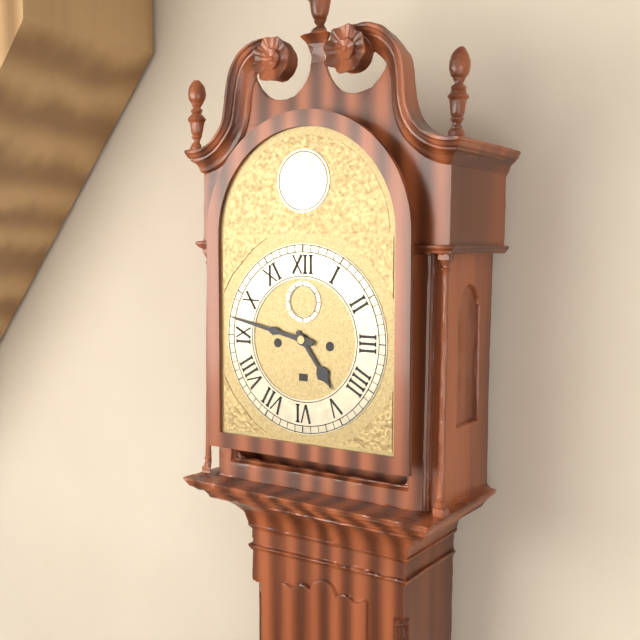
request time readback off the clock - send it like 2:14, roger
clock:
4:47
